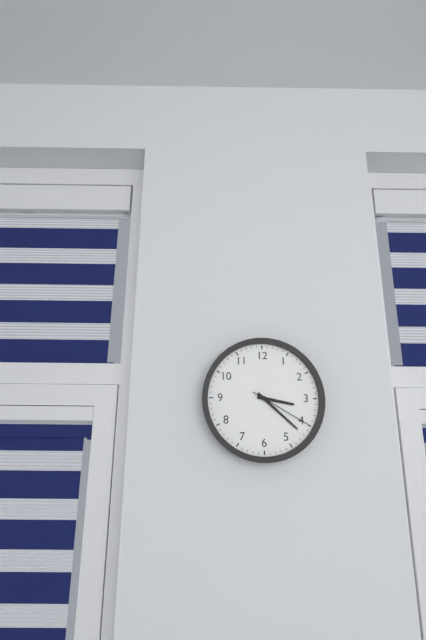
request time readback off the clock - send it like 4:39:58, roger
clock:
3:22:20
